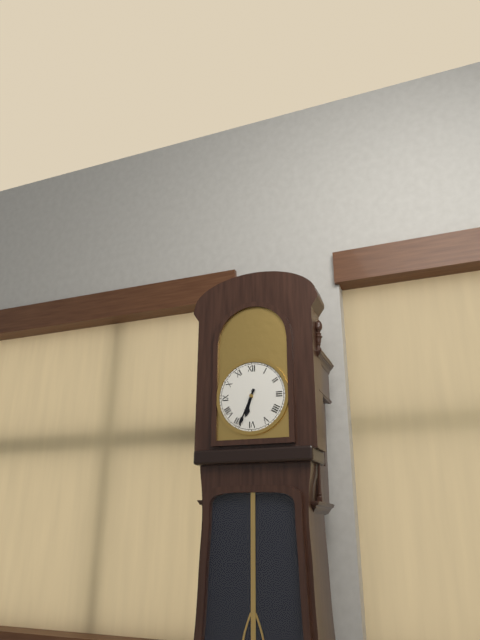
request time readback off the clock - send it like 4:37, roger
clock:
6:34
